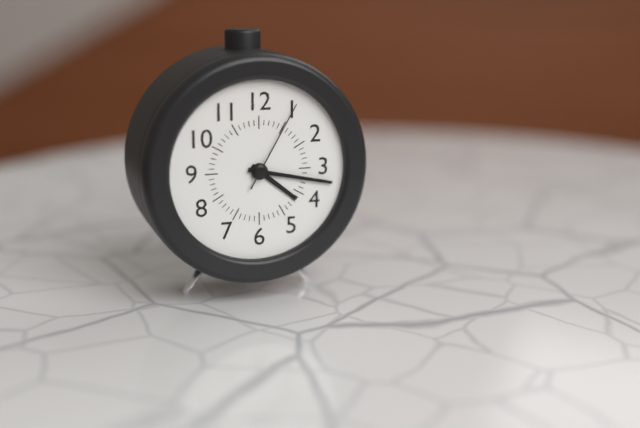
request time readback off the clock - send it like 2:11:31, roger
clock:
4:17:05
